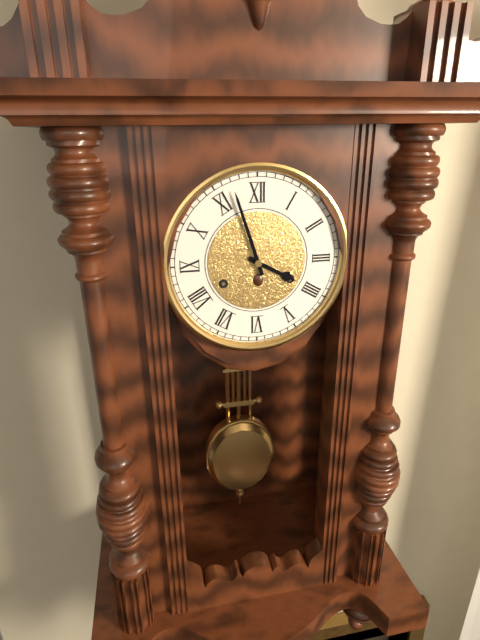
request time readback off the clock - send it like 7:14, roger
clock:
3:57
